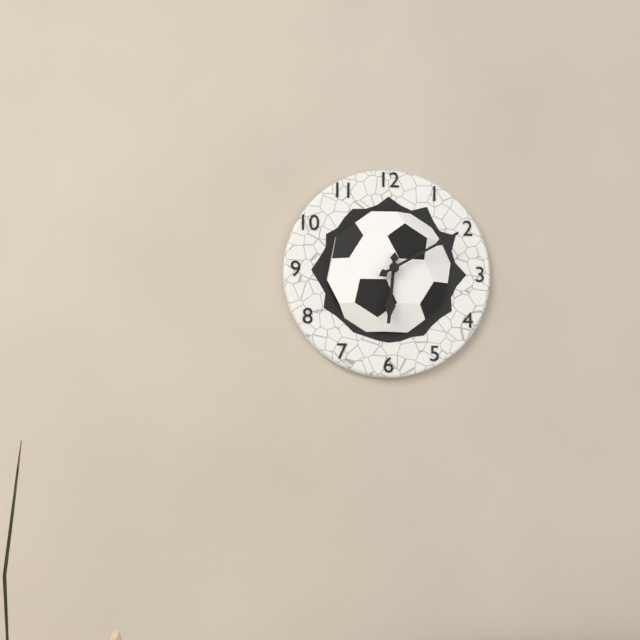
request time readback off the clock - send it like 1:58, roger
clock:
6:10
